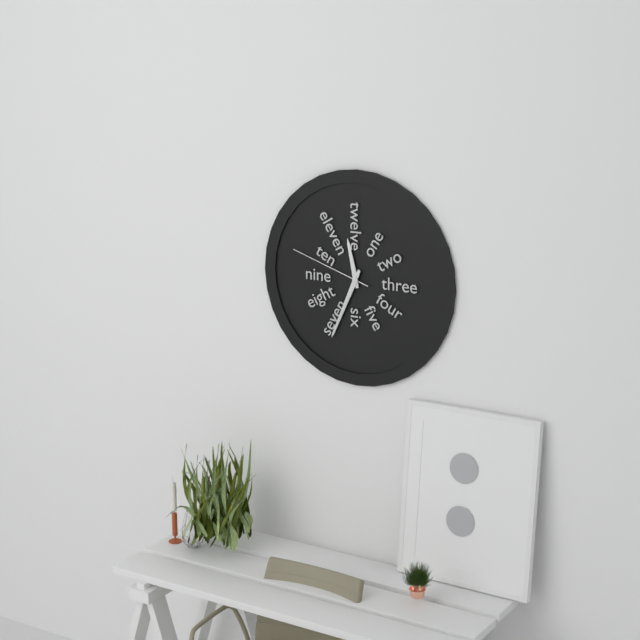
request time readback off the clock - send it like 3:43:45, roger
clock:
11:34:48
